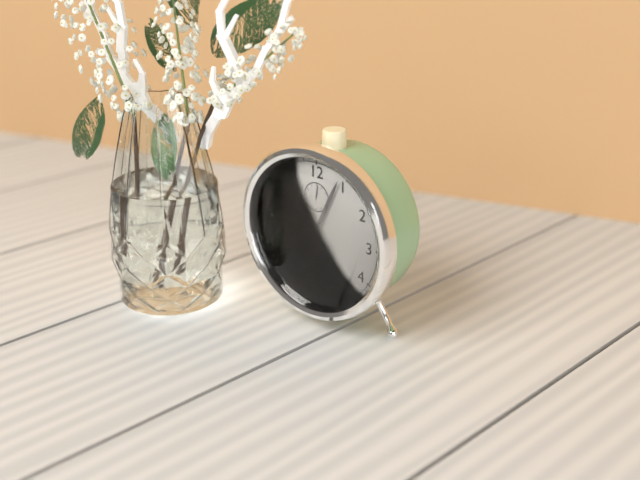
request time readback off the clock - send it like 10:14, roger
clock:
11:04
